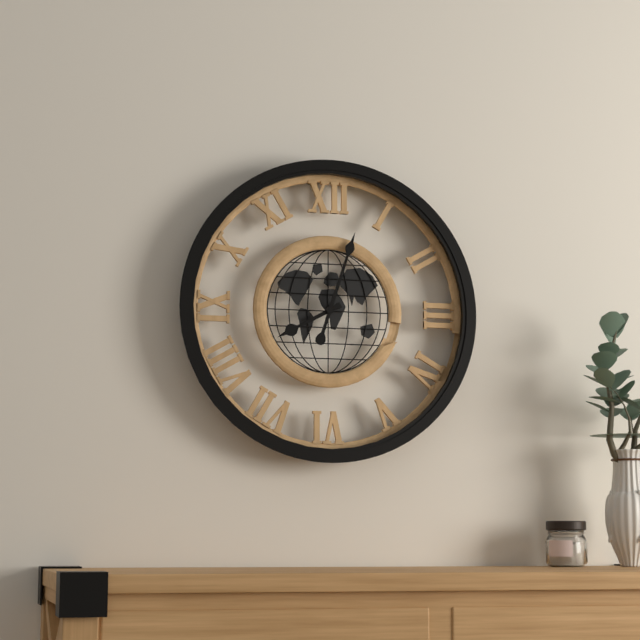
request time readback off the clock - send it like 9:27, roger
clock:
8:03
